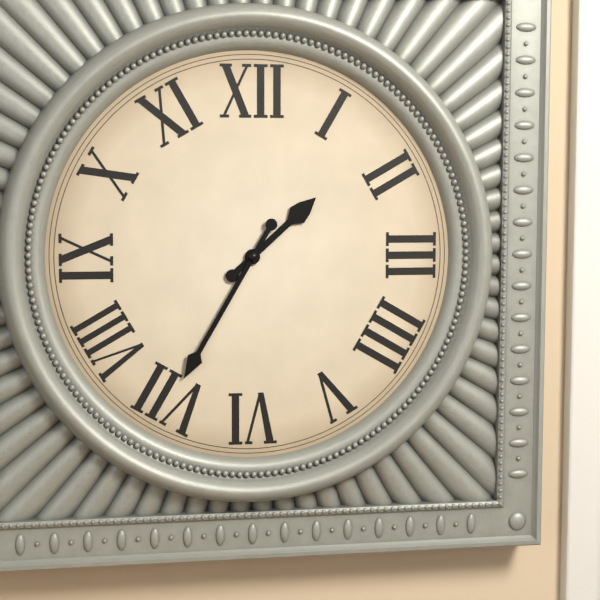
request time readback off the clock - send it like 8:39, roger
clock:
1:35
